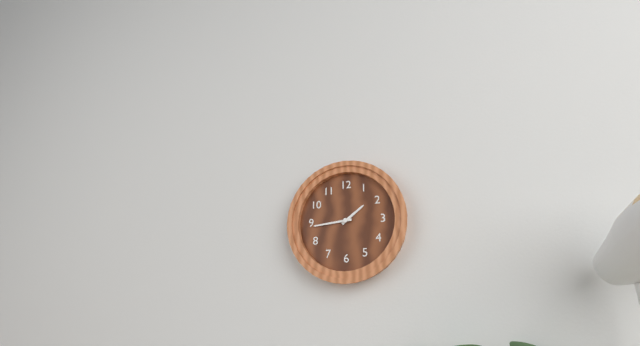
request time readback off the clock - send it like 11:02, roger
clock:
1:44
